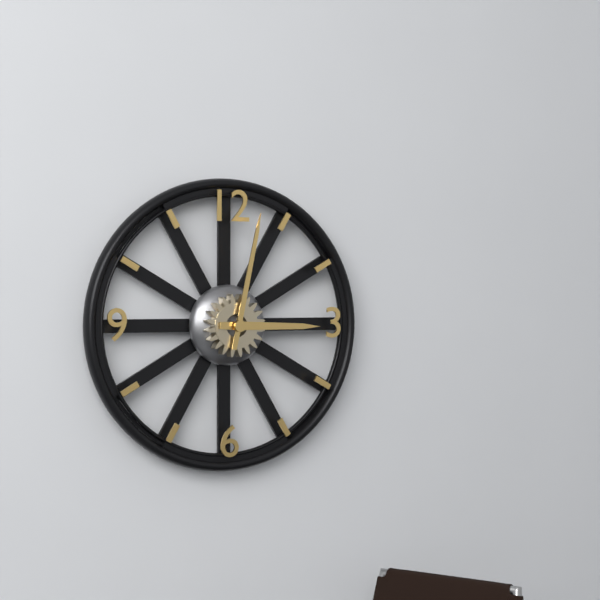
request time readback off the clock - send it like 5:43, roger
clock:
3:02
